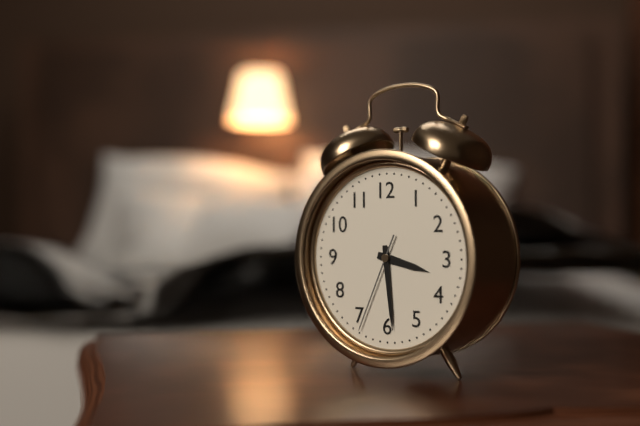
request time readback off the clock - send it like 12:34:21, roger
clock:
3:29:34
